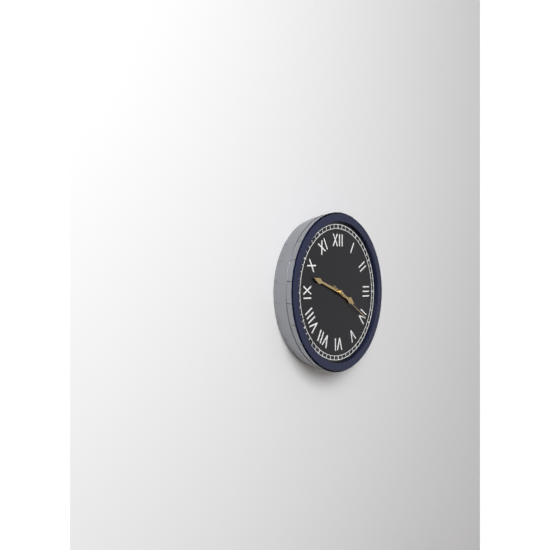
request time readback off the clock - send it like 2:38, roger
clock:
3:48
